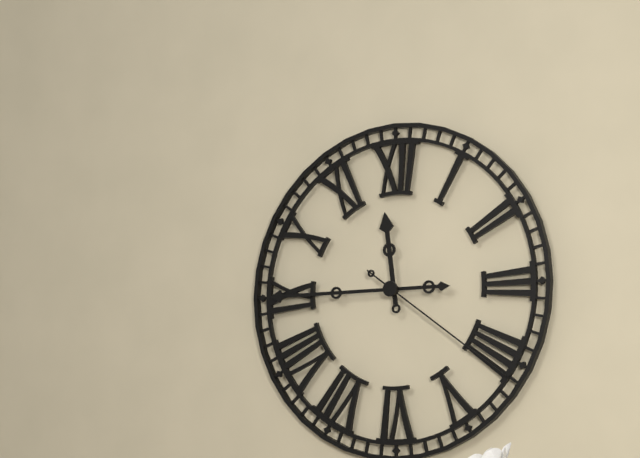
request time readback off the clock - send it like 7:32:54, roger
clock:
11:45:21
